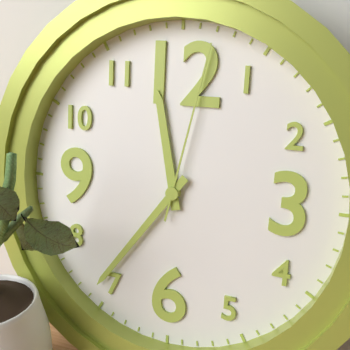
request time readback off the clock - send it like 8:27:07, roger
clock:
11:36:02
